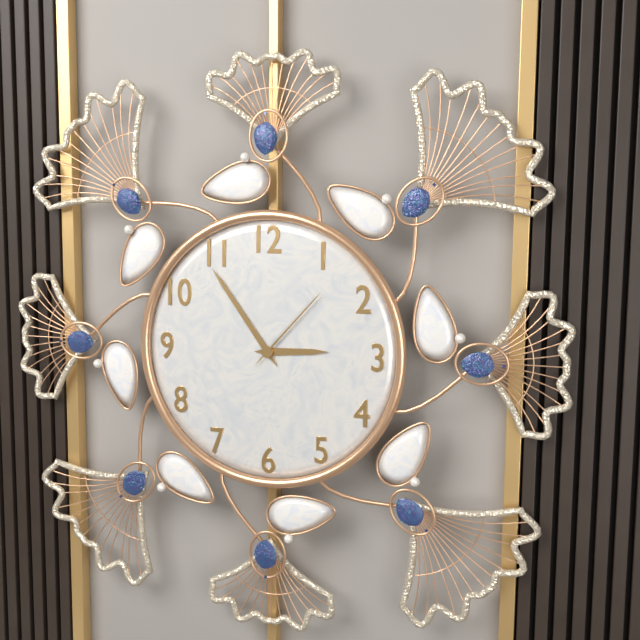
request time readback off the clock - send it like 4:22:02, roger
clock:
2:54:07
